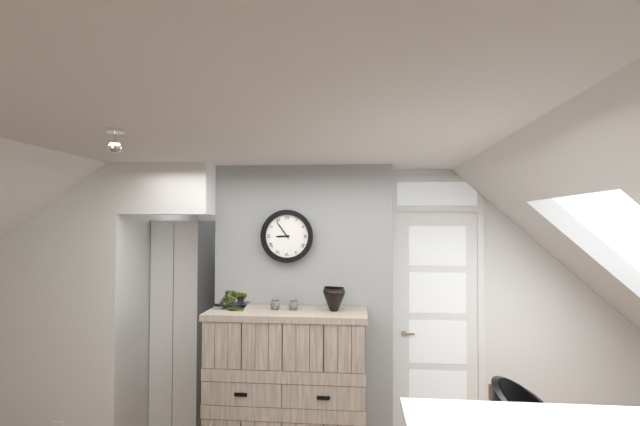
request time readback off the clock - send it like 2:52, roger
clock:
8:54
